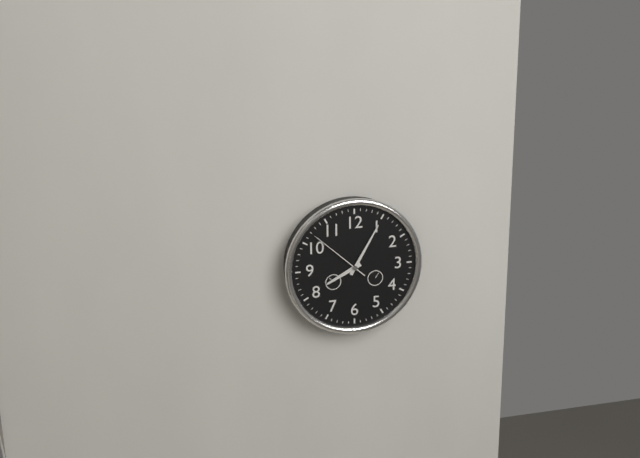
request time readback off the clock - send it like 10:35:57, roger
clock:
8:05:52
